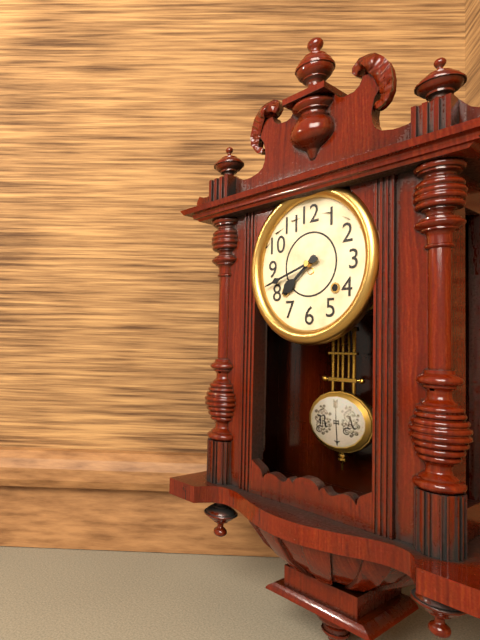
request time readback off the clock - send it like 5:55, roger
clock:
7:42
